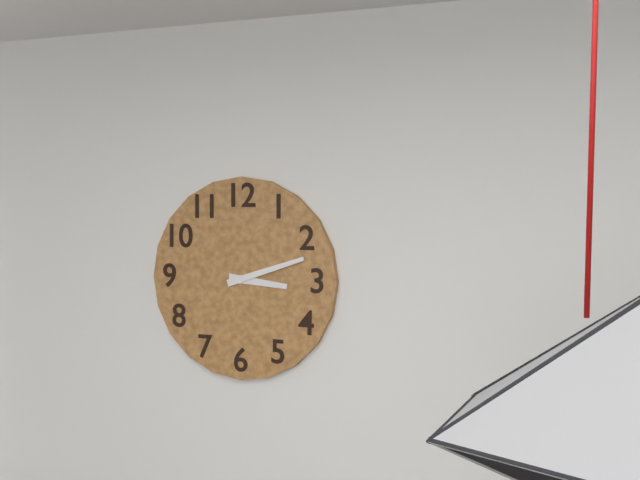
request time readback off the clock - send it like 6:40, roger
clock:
3:12
